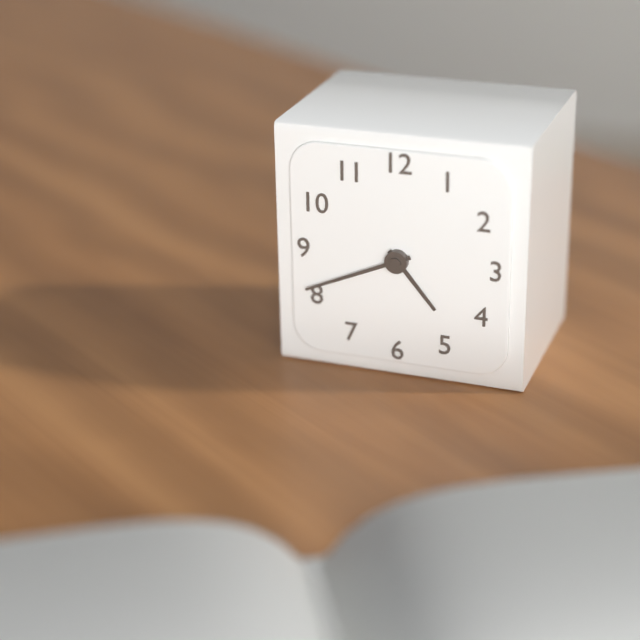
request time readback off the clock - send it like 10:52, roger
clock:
4:41
